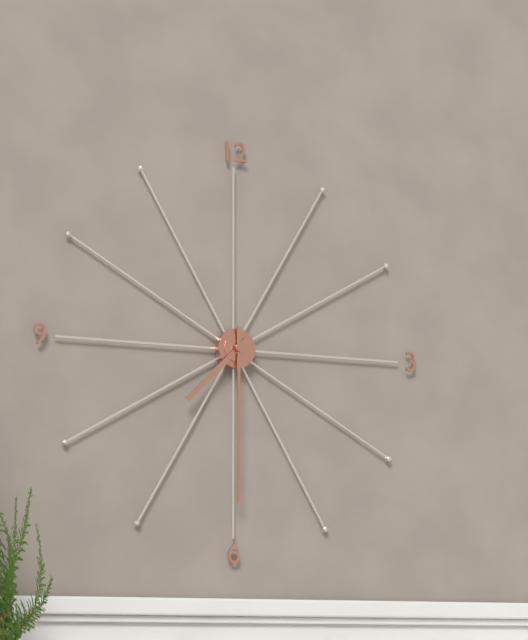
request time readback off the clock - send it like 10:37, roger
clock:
7:30
